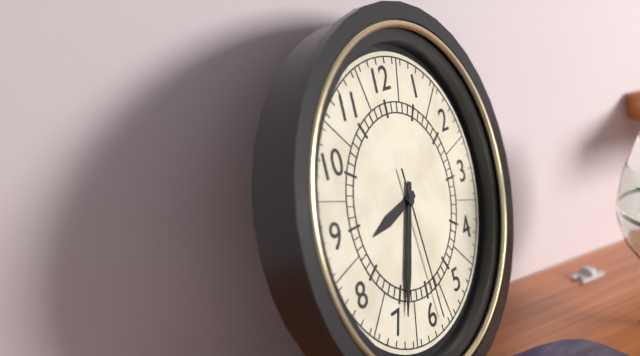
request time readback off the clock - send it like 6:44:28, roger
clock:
8:34:29
